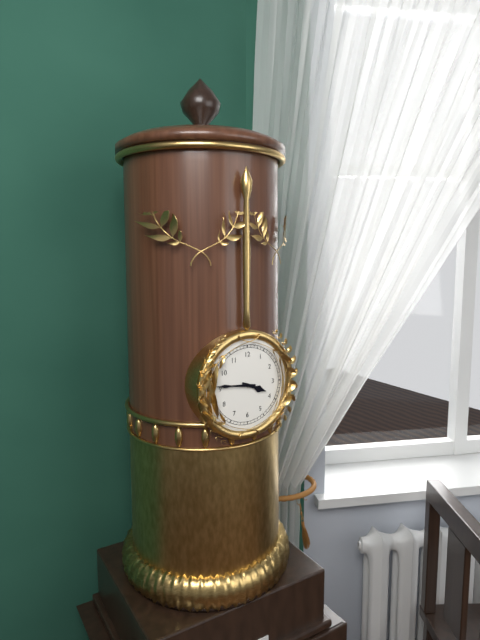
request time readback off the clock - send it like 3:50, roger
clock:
3:46
